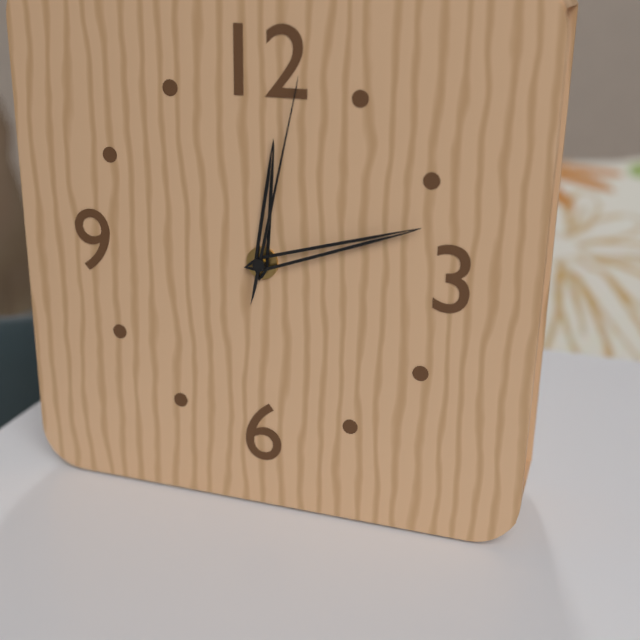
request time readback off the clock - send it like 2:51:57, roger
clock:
12:12:02
